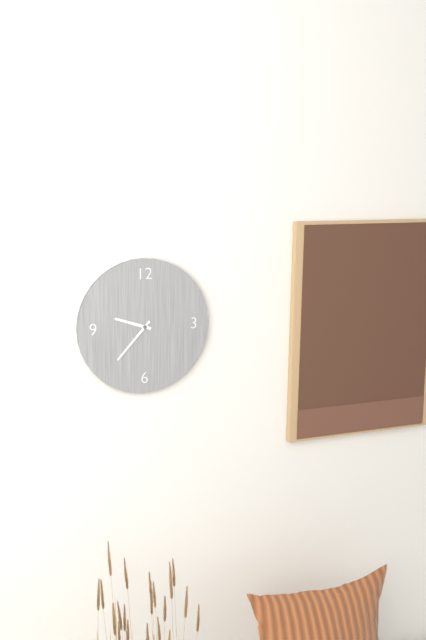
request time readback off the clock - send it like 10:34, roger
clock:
9:37
